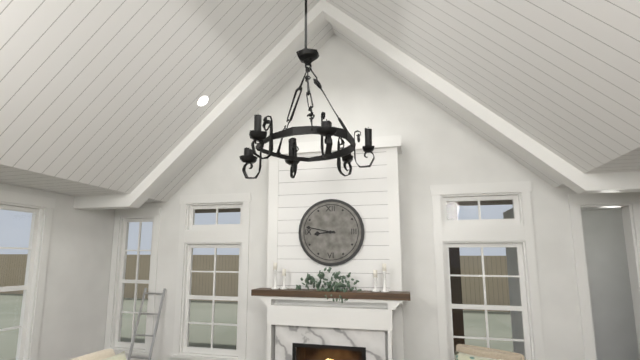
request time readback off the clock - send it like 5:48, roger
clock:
8:47
